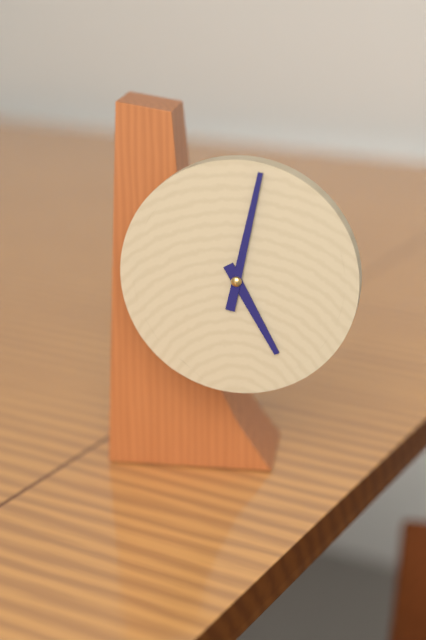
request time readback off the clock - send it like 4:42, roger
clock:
5:02
